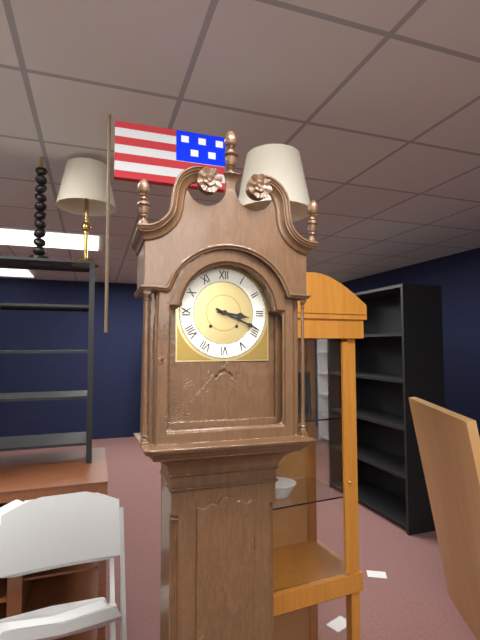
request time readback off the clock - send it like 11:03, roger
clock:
3:19
